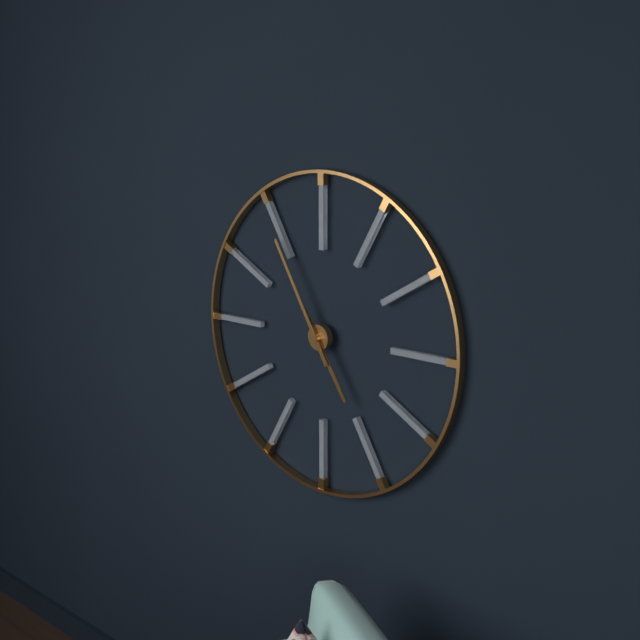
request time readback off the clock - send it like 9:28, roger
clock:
4:55
